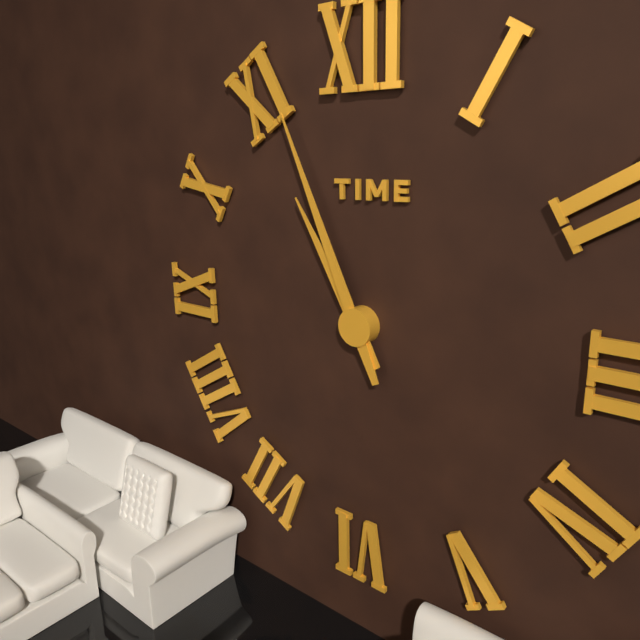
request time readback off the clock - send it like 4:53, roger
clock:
10:56
